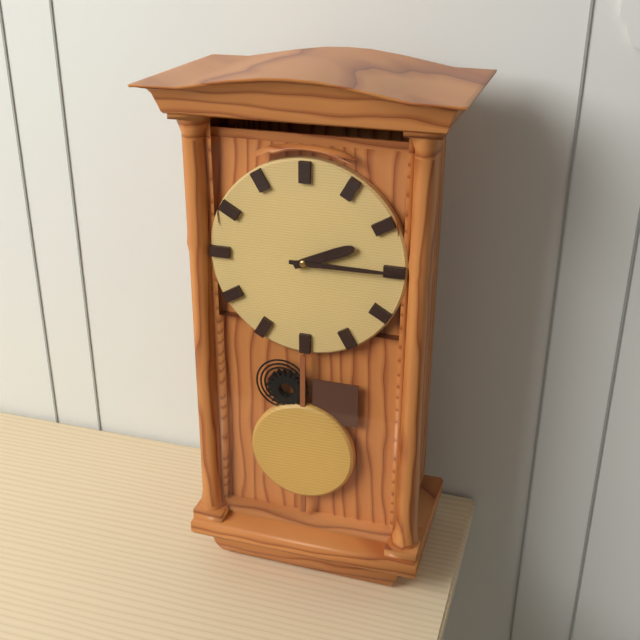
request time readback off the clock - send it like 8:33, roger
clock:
2:15
